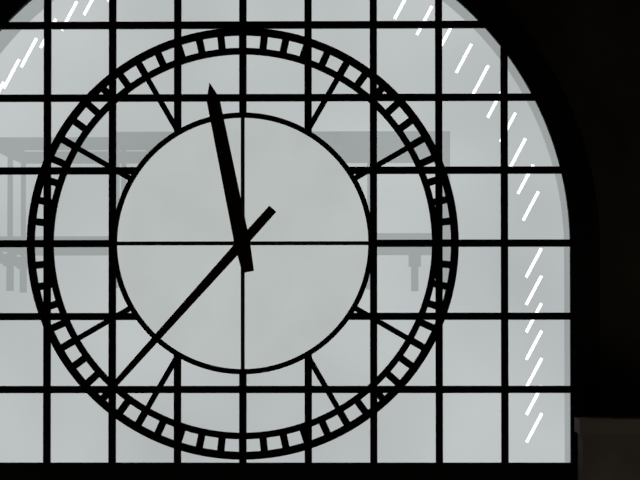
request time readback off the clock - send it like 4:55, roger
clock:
11:37
